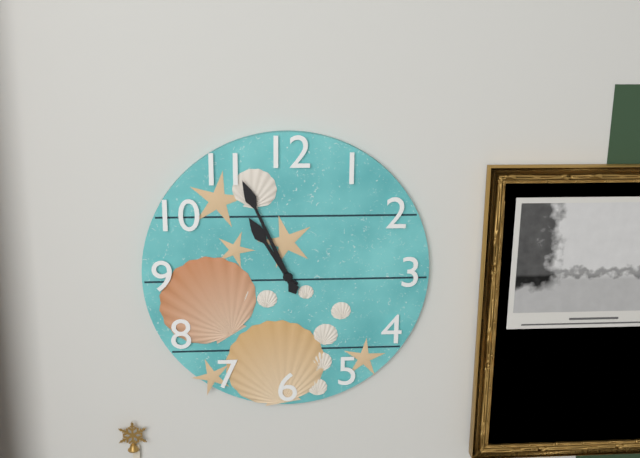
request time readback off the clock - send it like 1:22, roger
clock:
10:56
